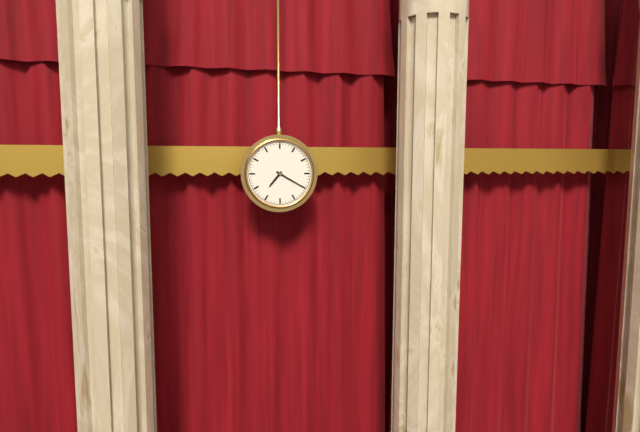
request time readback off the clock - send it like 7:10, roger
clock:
7:20
